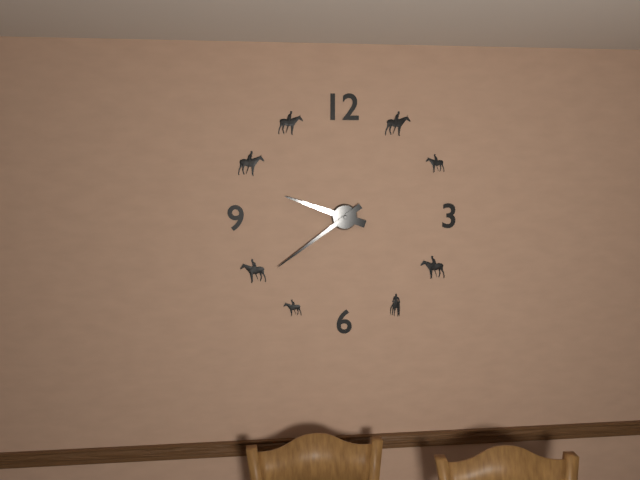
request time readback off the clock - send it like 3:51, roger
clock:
9:39
